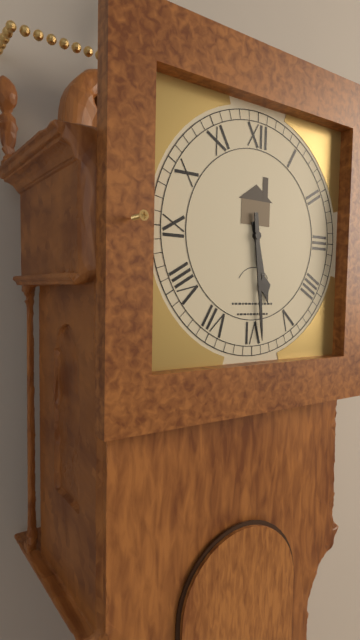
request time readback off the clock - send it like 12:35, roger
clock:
5:29
